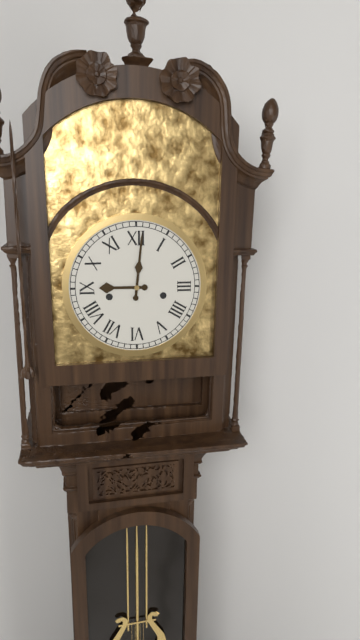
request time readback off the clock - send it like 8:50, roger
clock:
9:01
